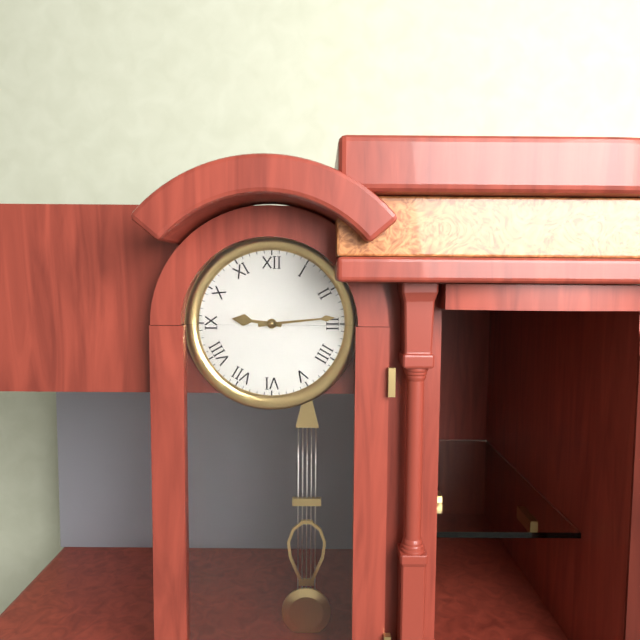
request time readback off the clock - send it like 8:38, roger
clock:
9:14
